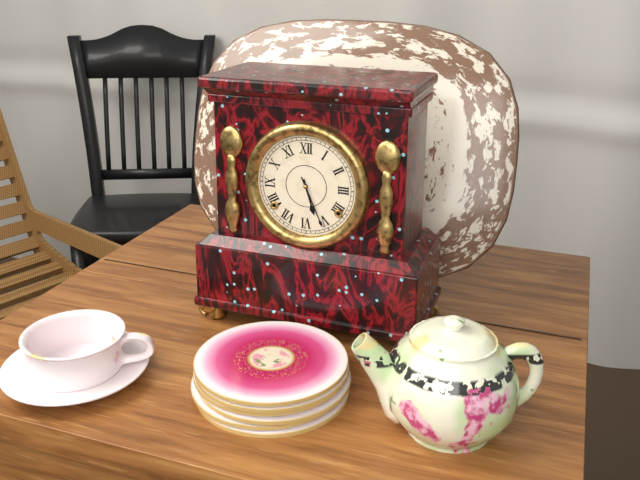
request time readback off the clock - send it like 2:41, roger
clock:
5:26
